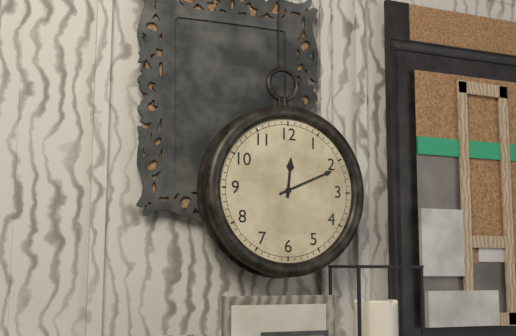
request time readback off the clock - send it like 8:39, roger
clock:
12:11
